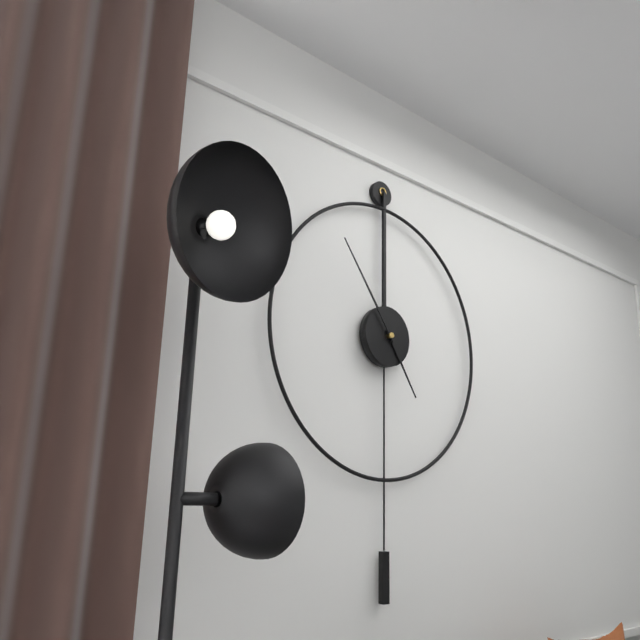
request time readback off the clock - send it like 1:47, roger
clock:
4:54
